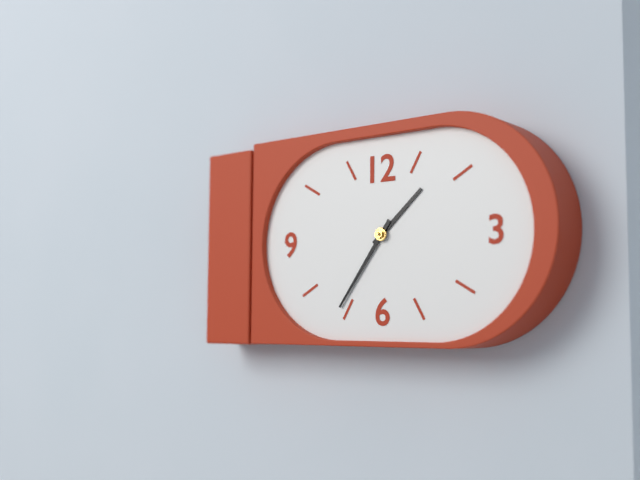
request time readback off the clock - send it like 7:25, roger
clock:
1:36
